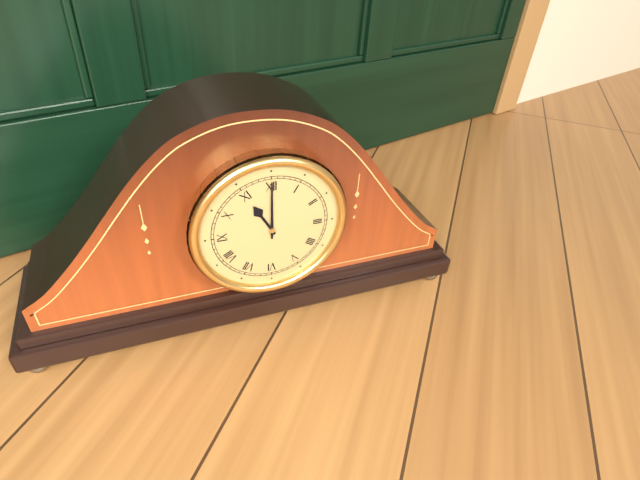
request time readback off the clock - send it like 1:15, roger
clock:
11:00
